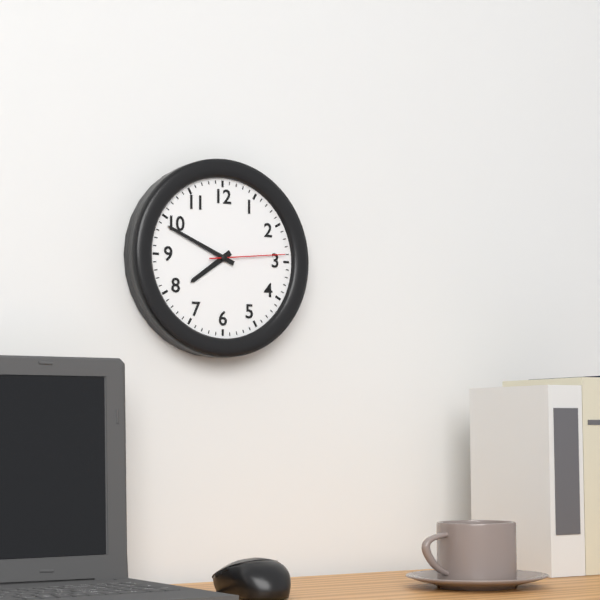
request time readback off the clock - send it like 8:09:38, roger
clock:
7:49:14
